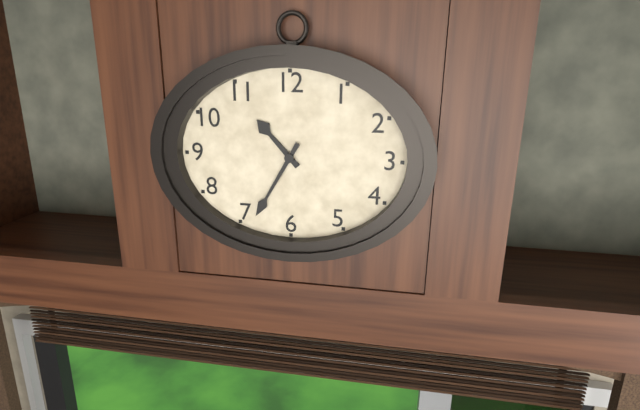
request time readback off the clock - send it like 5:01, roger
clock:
10:35
